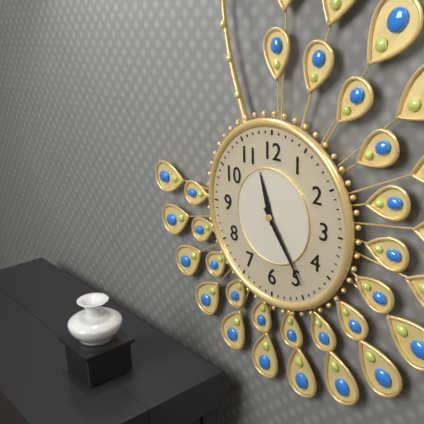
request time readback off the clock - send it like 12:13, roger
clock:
11:24
